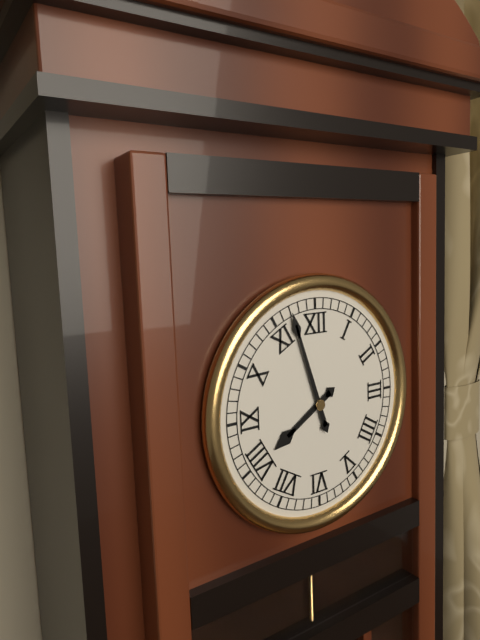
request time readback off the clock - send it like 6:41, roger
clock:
7:57
